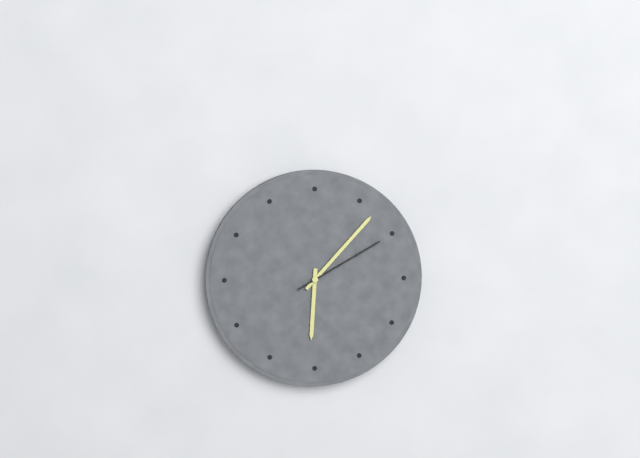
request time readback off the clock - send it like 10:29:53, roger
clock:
6:07:10
